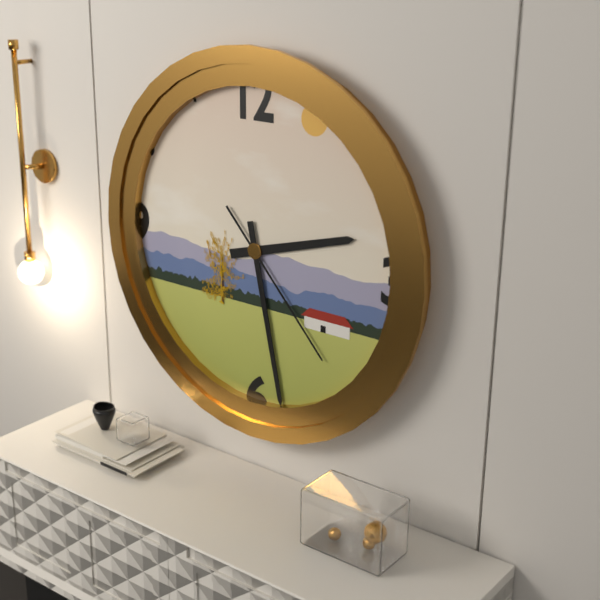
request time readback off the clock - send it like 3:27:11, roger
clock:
2:28:23
